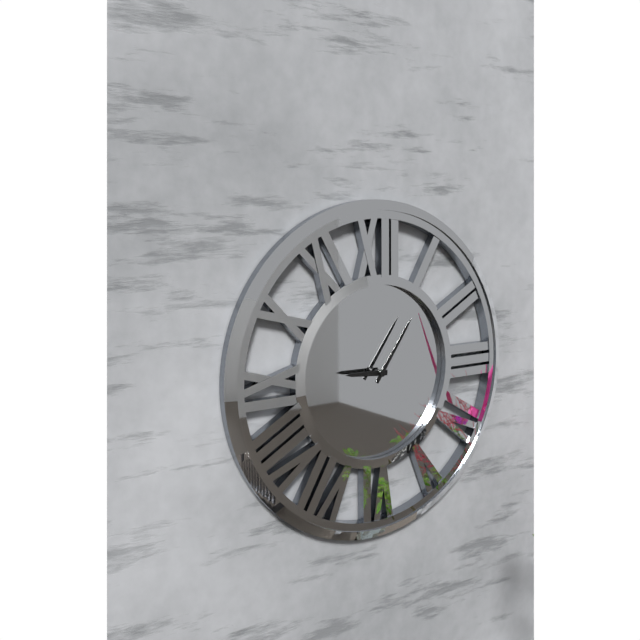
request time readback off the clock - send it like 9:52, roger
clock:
9:06
